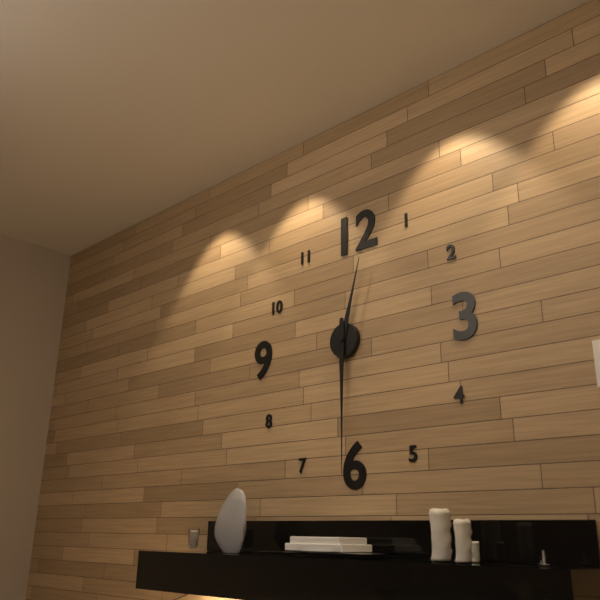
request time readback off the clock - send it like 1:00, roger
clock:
12:30
